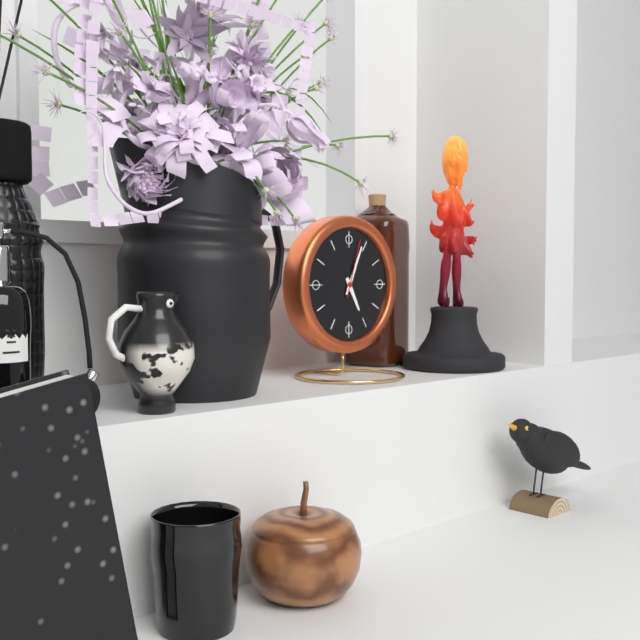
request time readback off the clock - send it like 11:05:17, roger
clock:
5:04:03
